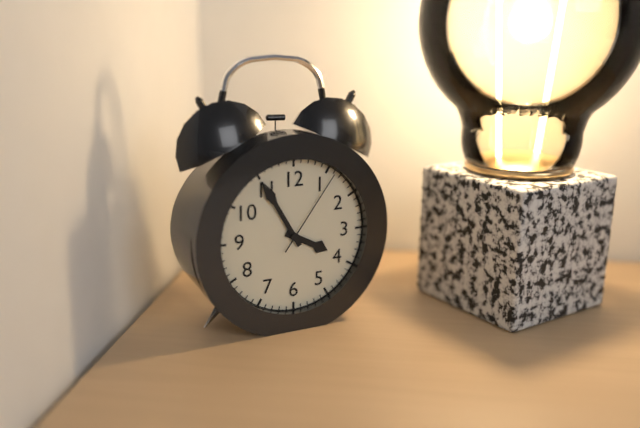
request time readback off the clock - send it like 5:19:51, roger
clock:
3:55:06
